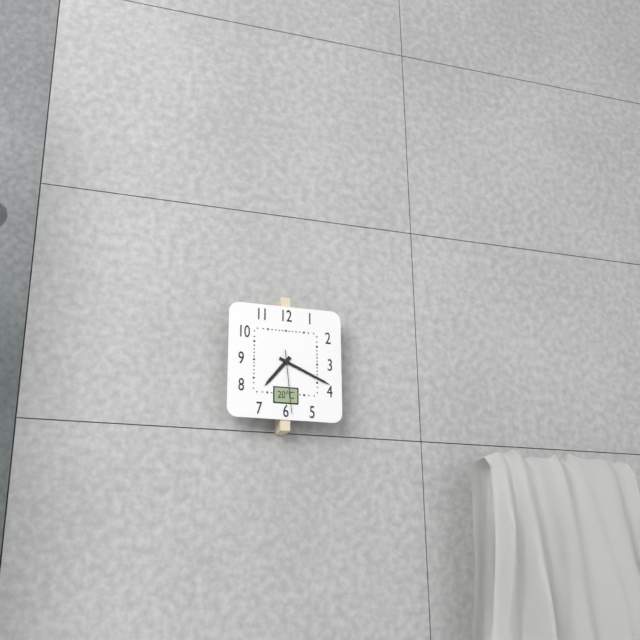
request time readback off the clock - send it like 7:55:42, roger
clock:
7:19:29
